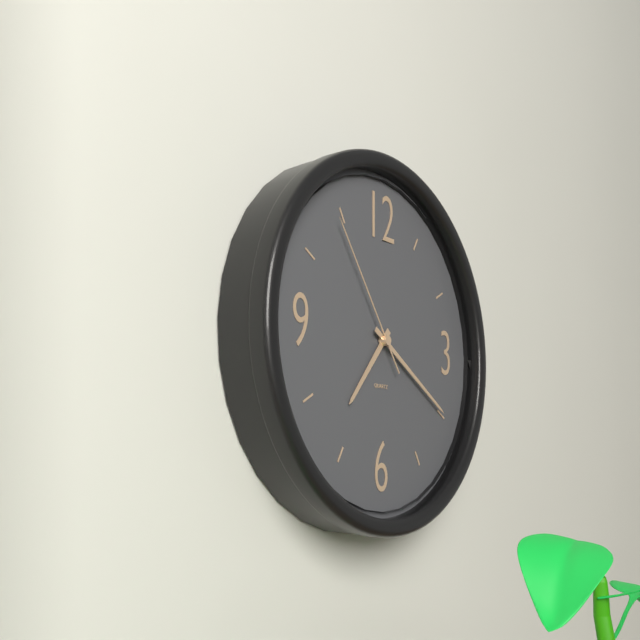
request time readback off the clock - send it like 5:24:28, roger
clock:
7:20:54
